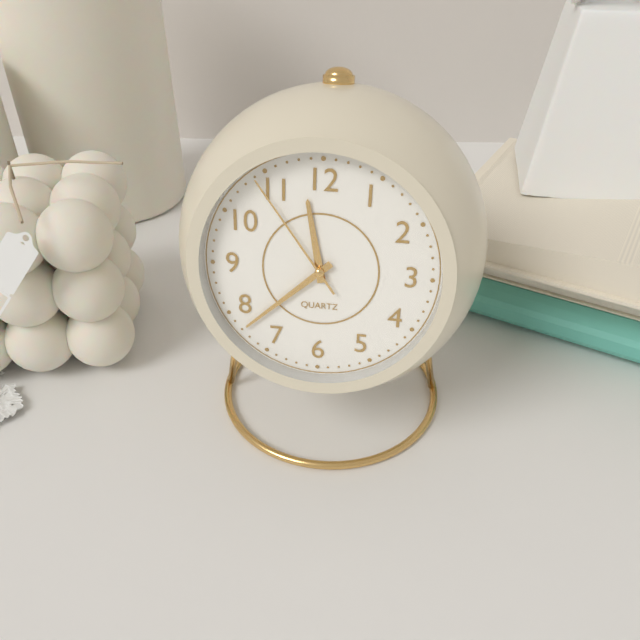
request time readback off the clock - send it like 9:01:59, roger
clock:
11:38:54
